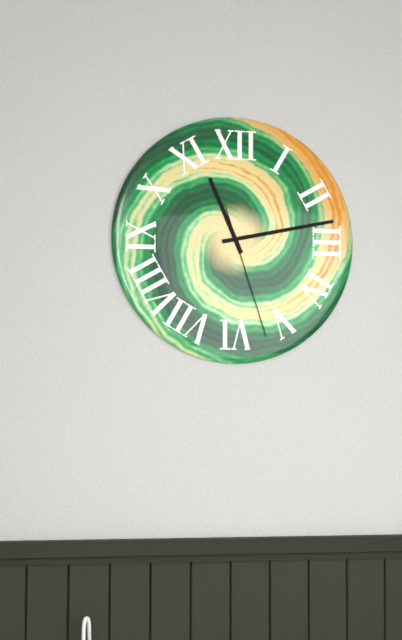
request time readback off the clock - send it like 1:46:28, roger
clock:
11:13:27
